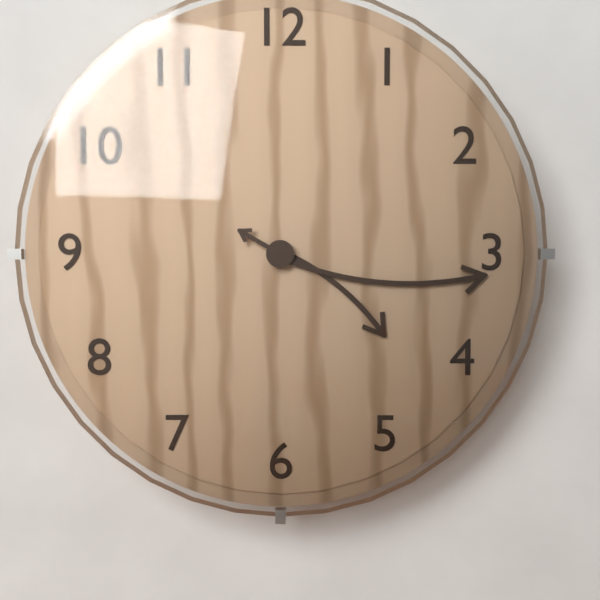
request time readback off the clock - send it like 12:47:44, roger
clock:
4:16:50
